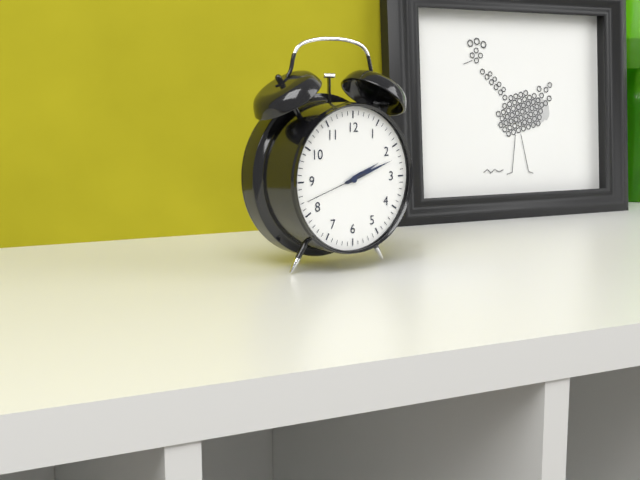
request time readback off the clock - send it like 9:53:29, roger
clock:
2:12:42
